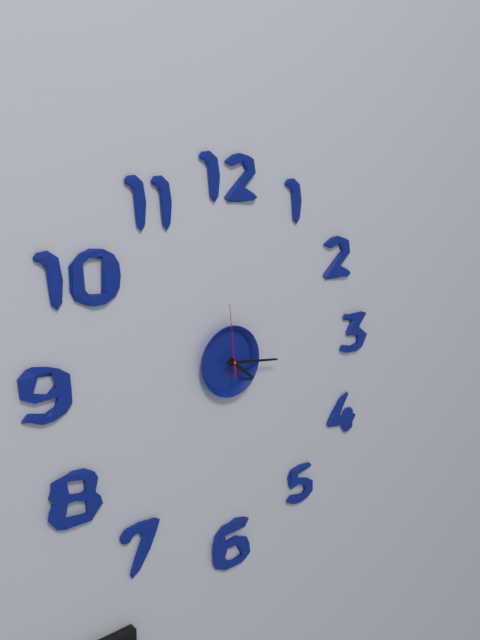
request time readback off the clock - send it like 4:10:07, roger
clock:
4:16:59
